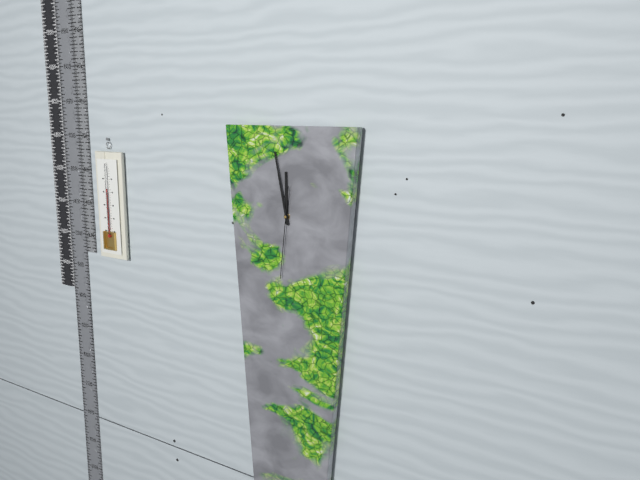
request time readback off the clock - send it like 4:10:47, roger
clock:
11:58:31
